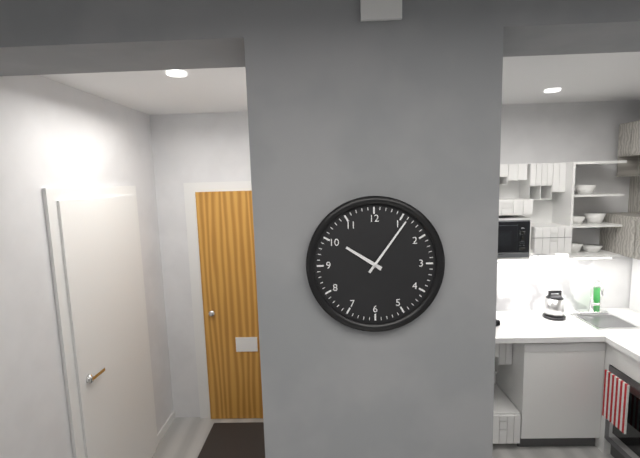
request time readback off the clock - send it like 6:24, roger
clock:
10:06
